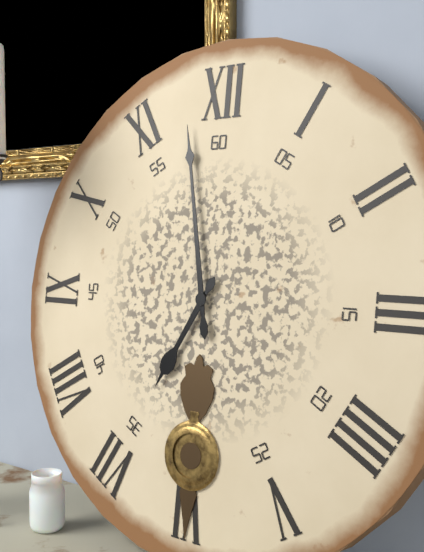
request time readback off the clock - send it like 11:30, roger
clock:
6:58
